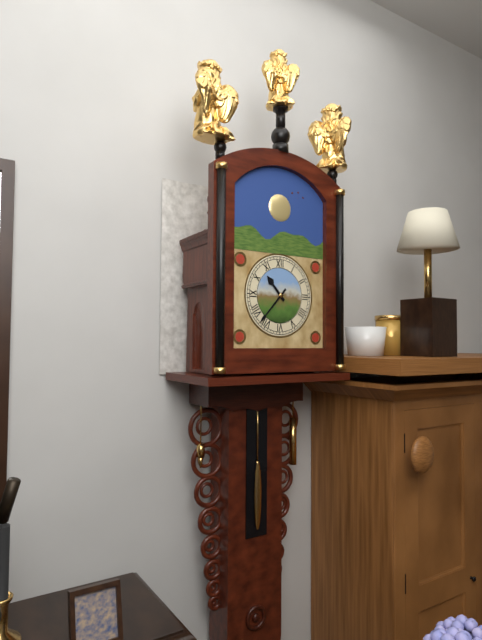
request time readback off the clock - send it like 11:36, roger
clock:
10:37
